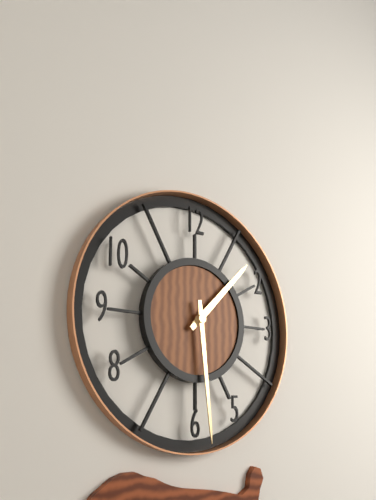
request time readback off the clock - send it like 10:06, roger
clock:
1:29
